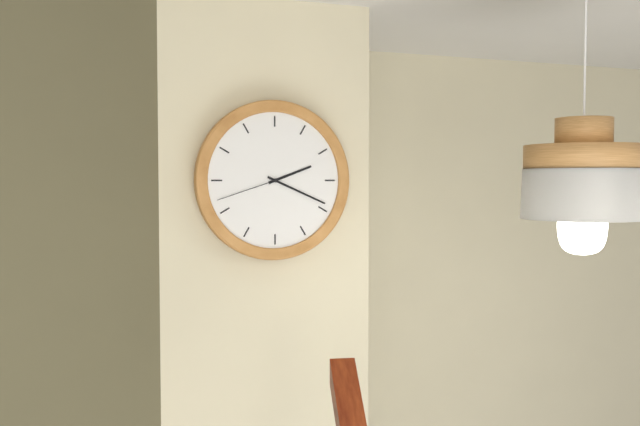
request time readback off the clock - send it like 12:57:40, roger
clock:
2:19:42
